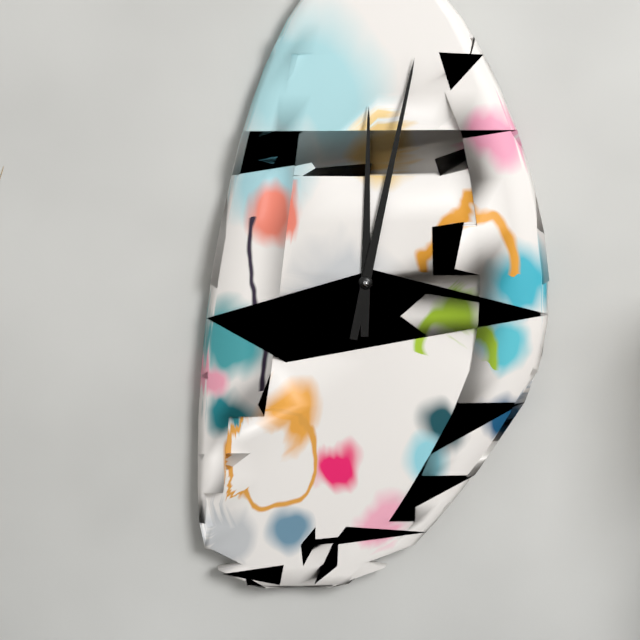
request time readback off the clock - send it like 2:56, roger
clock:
12:02
